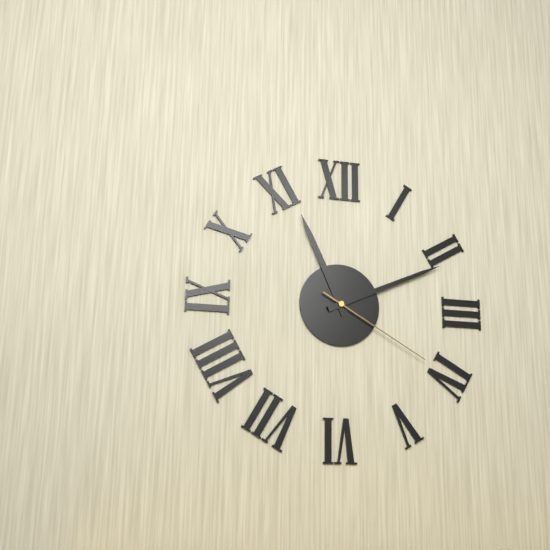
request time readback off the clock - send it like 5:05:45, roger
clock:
11:11:20
